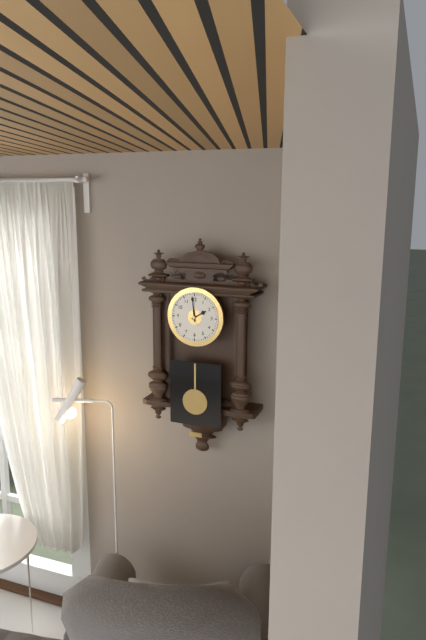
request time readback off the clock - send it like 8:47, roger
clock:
1:59
